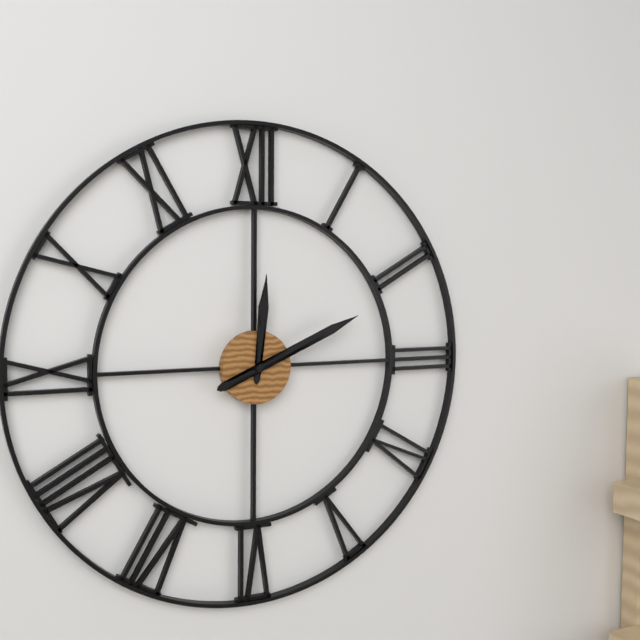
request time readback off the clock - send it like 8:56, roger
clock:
12:11
